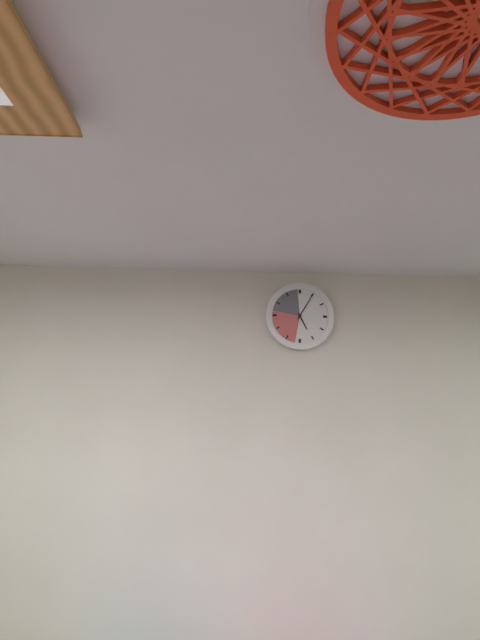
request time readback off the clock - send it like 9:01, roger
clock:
5:05
